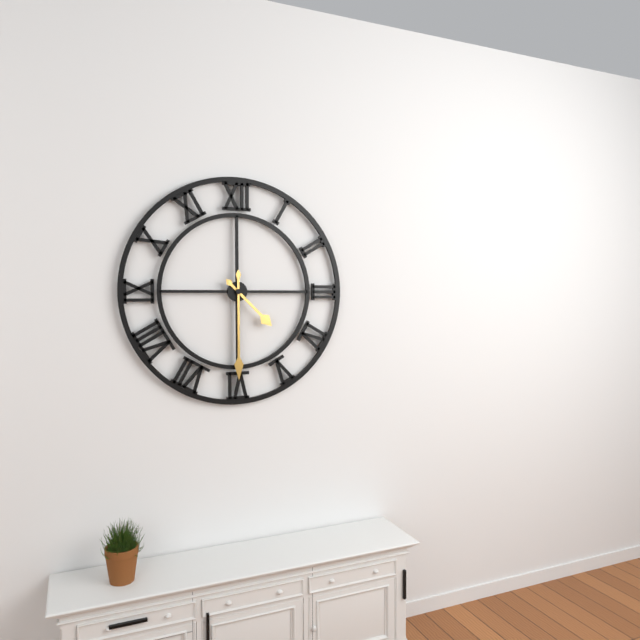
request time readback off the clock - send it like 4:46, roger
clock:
4:30
